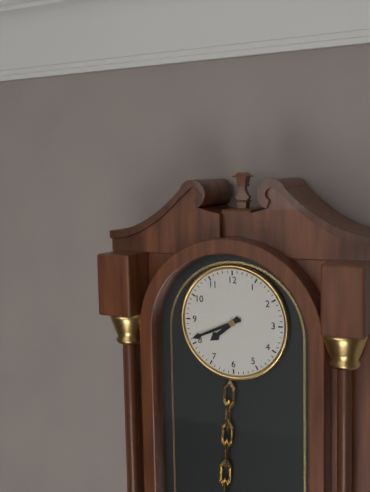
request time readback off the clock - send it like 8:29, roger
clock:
7:41
